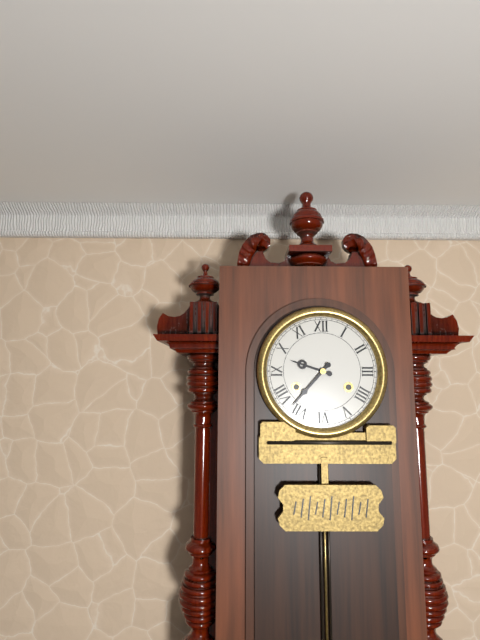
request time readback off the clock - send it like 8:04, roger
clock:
9:37
